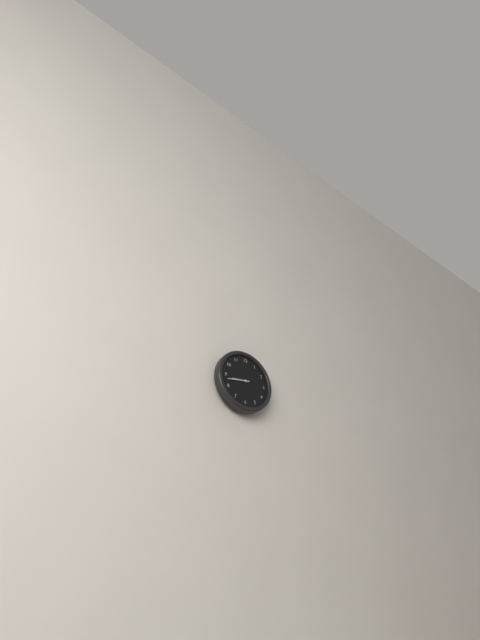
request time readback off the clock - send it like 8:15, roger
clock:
8:43
